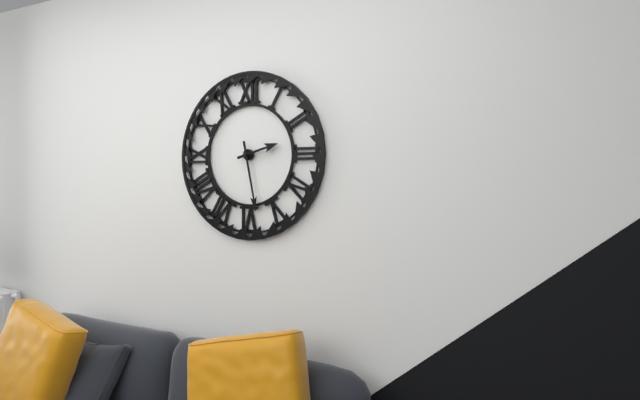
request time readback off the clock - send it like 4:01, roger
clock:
2:28
